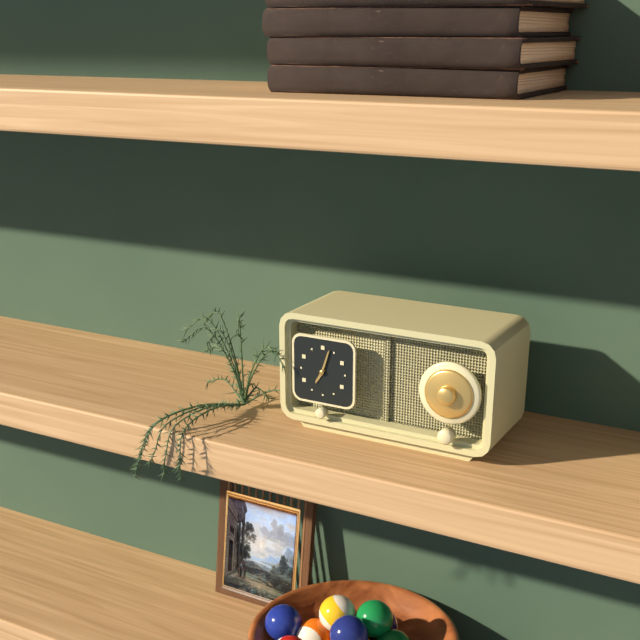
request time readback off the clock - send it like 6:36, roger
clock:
7:03
